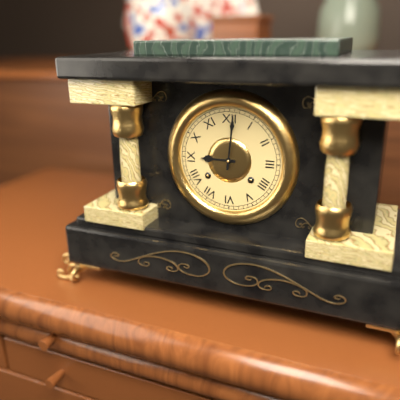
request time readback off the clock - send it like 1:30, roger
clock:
9:01
